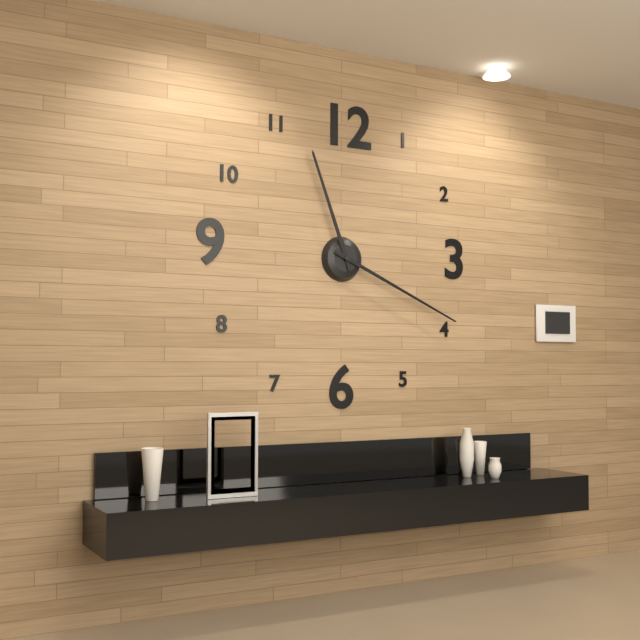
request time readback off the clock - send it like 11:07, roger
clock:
11:19
